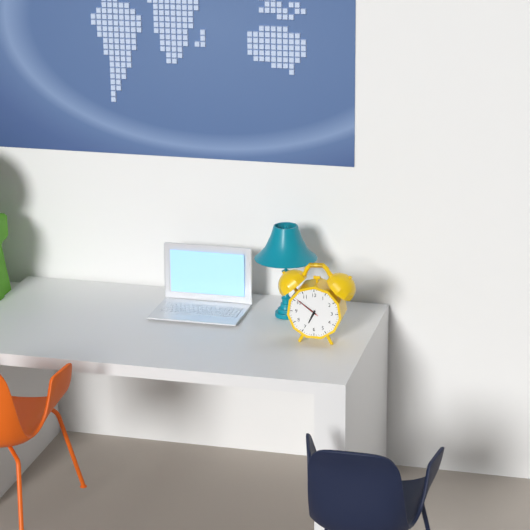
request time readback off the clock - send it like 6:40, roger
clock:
6:51
